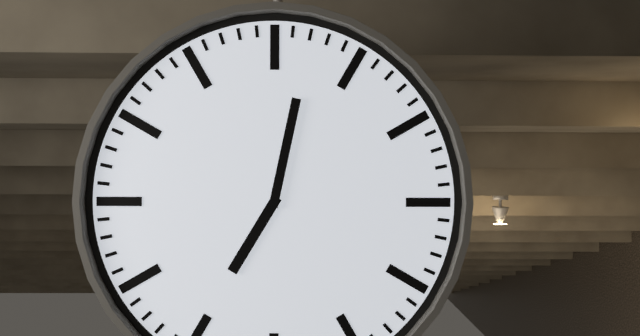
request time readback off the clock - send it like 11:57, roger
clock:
7:02
